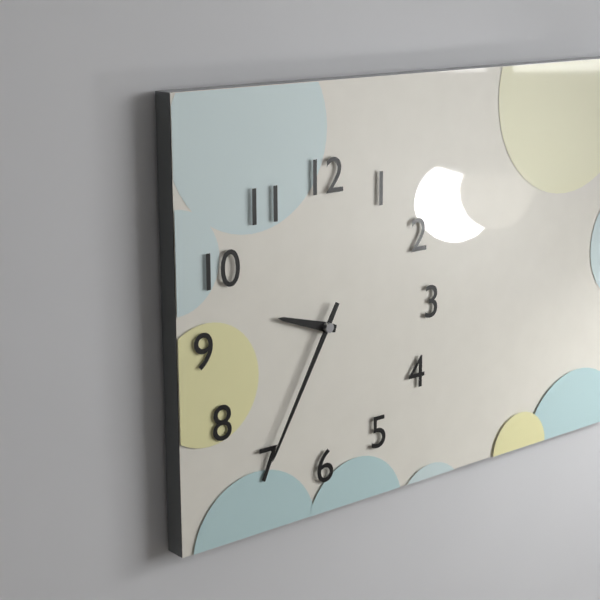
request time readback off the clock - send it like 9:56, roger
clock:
9:35
